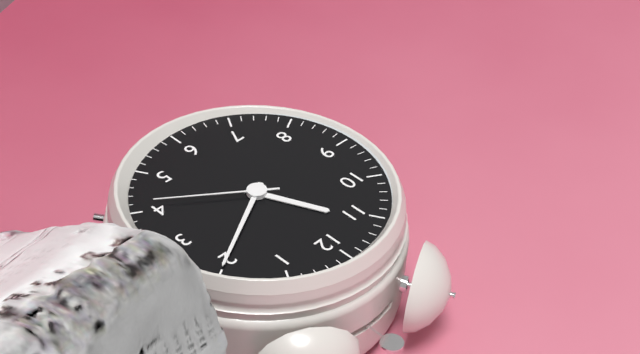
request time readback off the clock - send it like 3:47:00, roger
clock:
11:10:21
